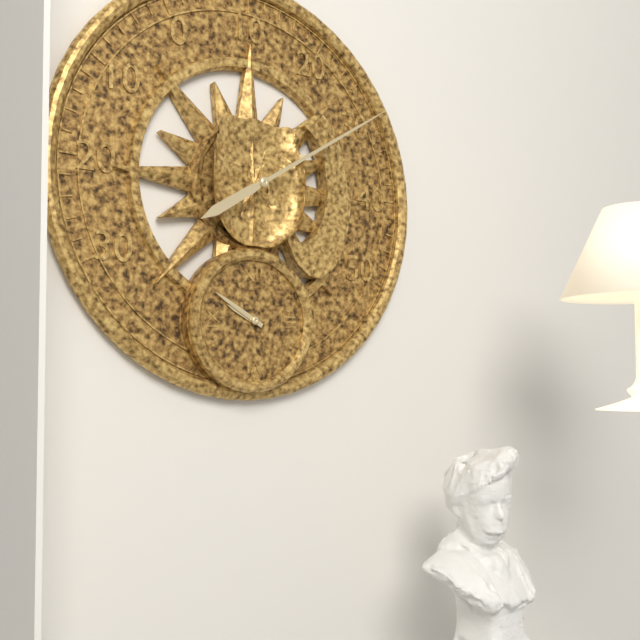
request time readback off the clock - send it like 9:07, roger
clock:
9:50
